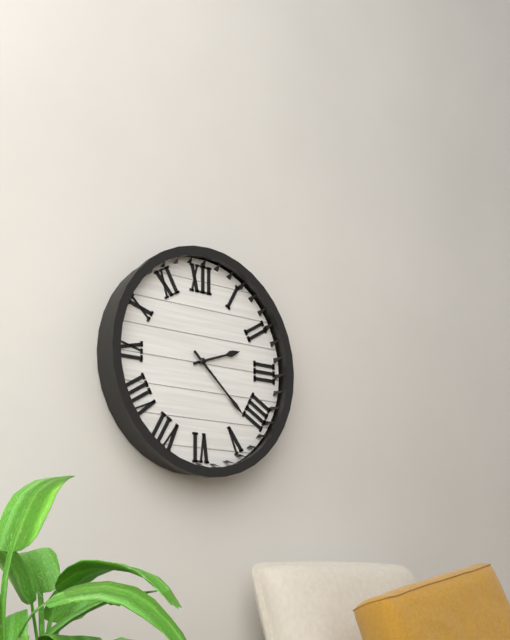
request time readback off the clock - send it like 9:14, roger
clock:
2:22
